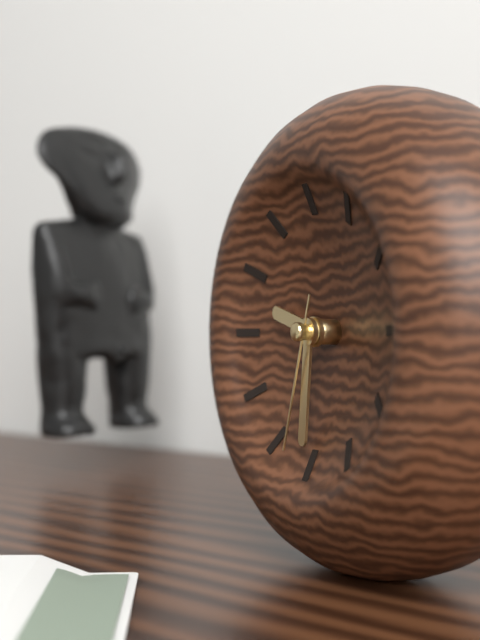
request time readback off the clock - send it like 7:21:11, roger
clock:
9:31:33
